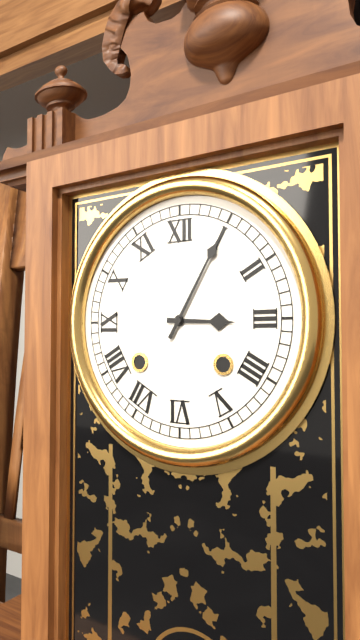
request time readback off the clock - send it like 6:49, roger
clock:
3:05
